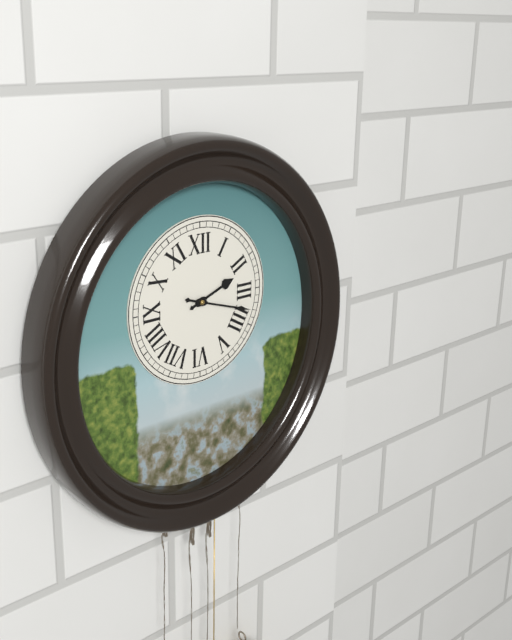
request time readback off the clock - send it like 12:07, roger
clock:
2:18
